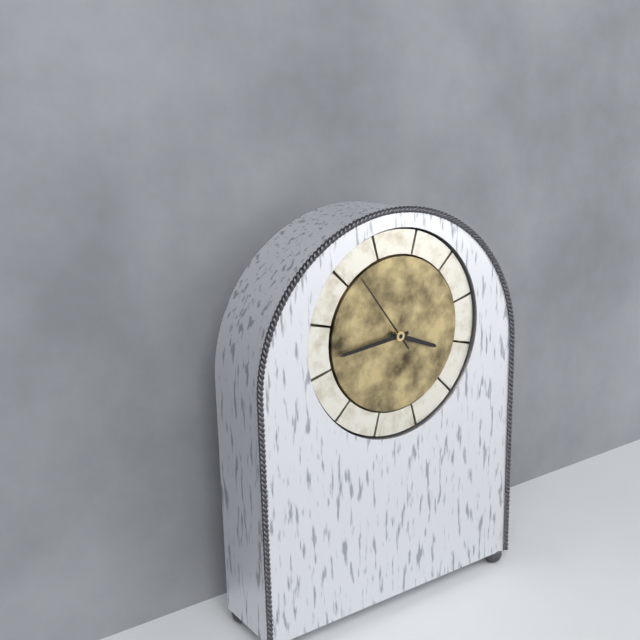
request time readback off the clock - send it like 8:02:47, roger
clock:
3:44:54
